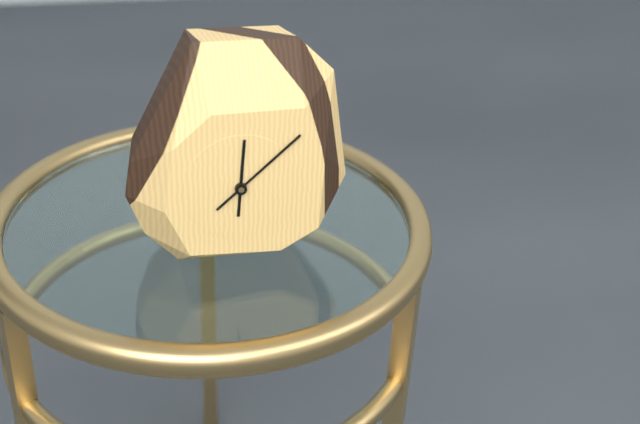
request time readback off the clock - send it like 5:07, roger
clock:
12:08
